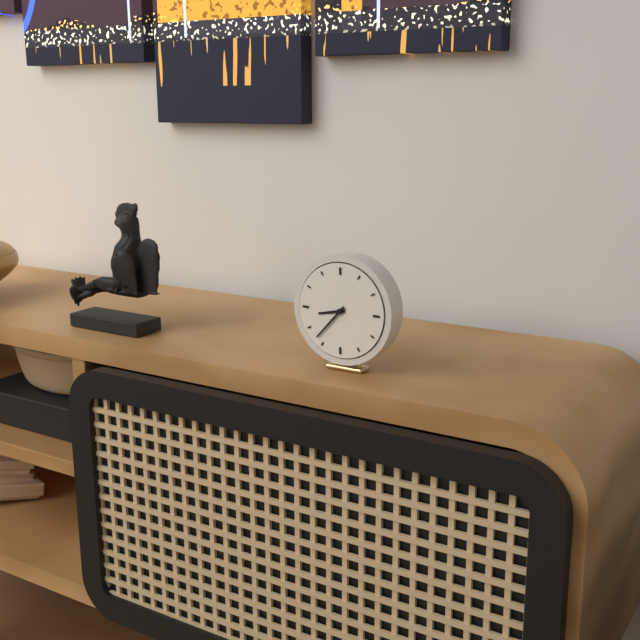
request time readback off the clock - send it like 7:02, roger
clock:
8:37
